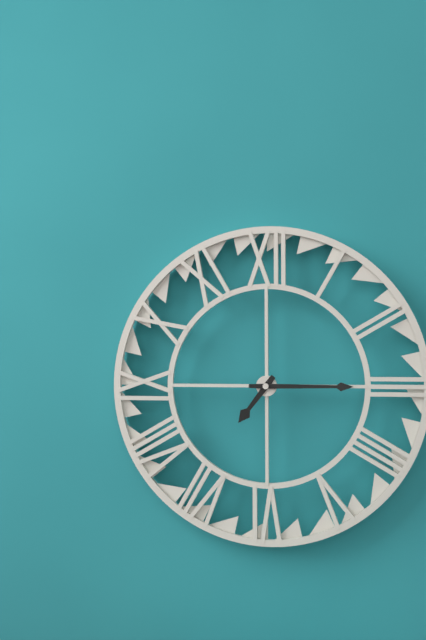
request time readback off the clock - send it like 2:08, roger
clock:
7:15
